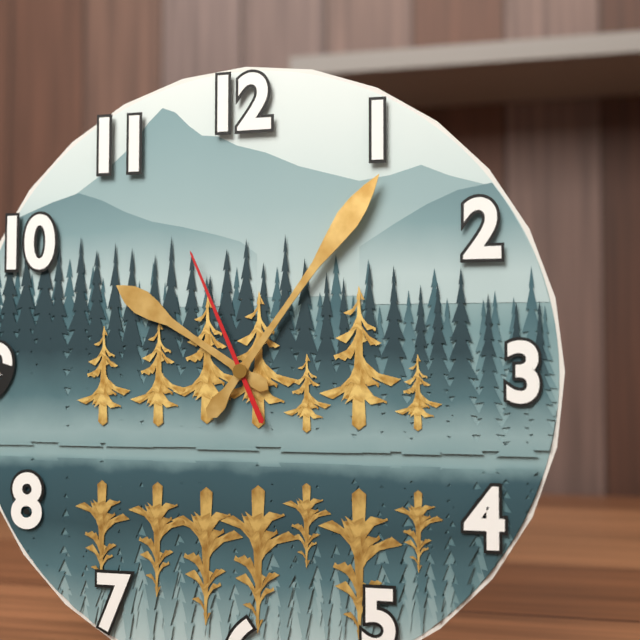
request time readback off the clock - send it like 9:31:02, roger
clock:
10:06:56
